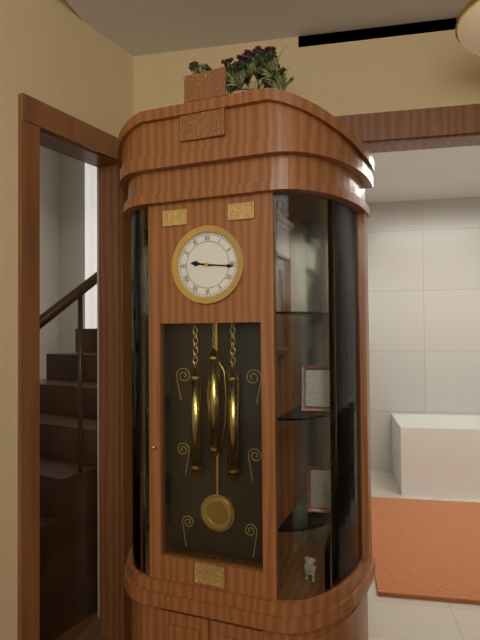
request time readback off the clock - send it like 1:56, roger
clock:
9:16
